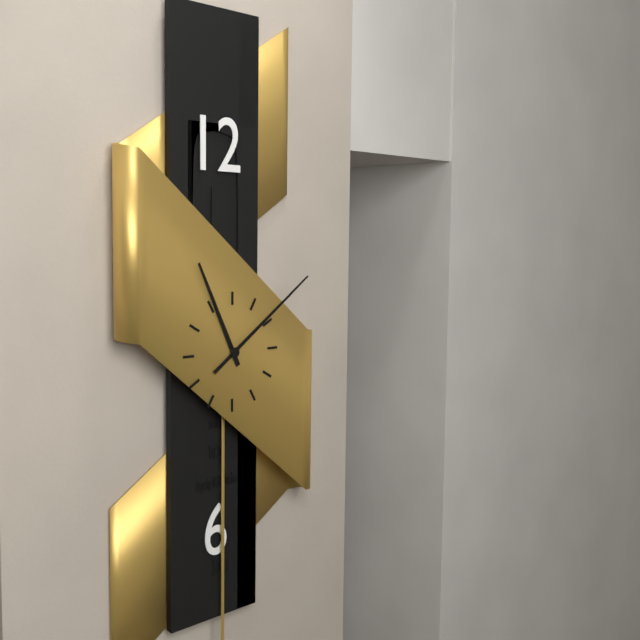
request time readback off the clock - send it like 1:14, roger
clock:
11:09
